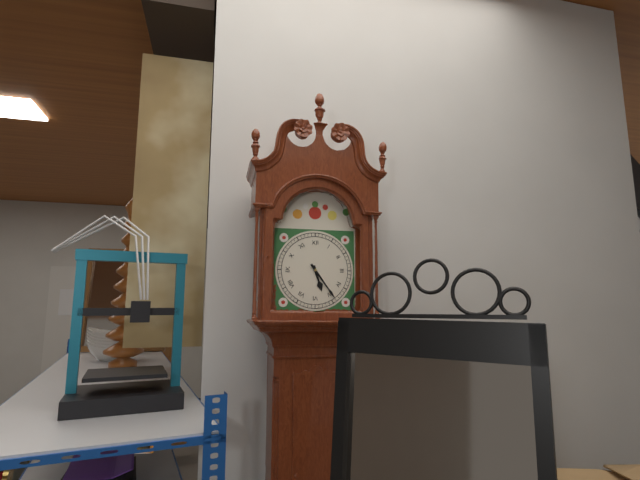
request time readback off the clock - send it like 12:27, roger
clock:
5:24
